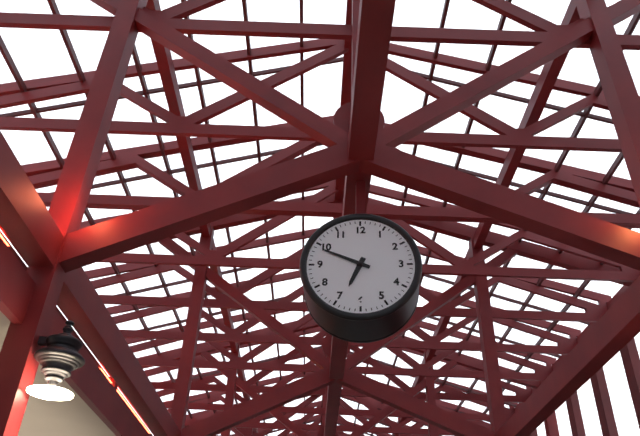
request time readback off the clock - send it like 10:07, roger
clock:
6:49
